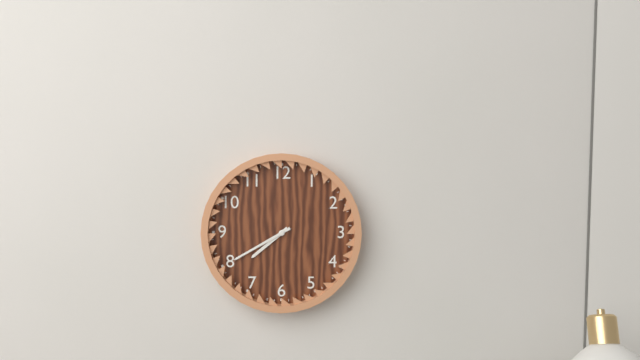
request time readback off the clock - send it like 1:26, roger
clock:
7:40
